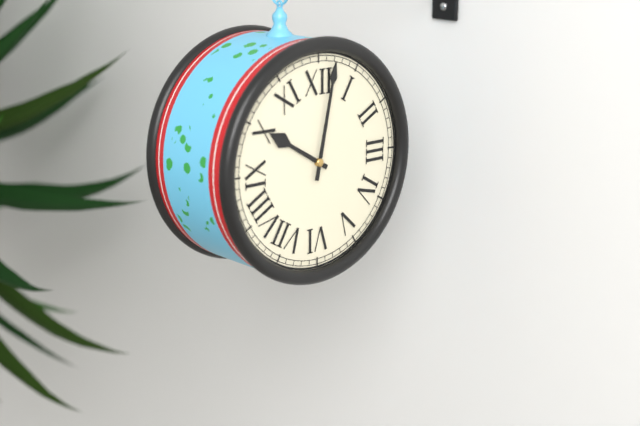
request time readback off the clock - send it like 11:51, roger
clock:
10:02
